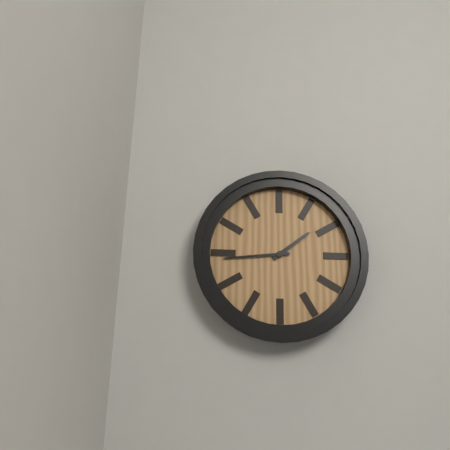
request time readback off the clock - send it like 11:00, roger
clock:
1:44
